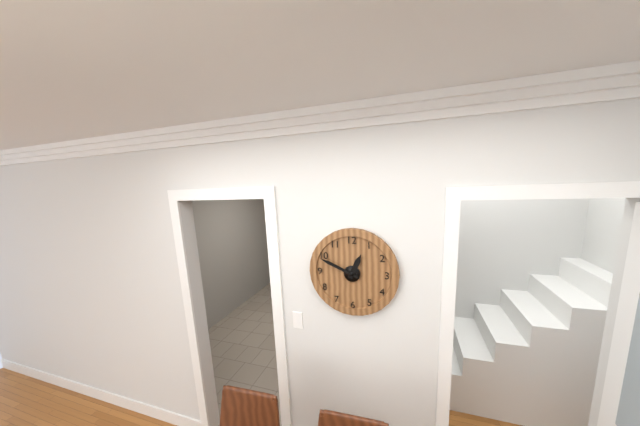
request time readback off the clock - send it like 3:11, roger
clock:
12:49
